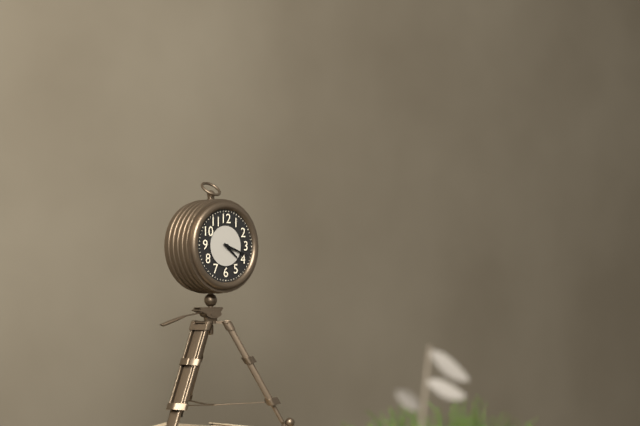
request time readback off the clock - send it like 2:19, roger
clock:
4:18
